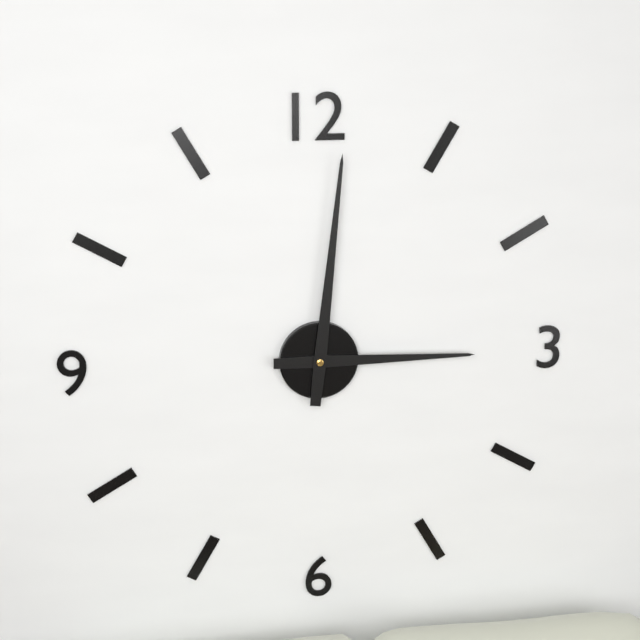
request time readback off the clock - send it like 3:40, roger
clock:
3:01
